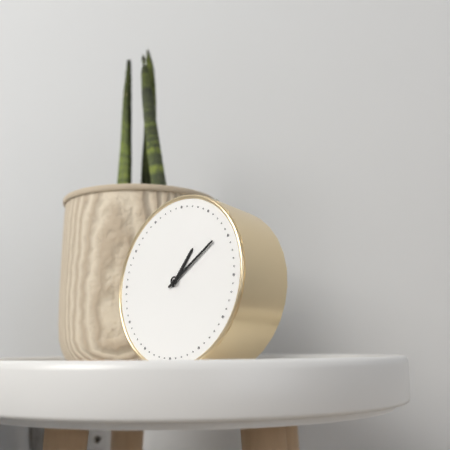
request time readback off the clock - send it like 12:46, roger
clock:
1:09
